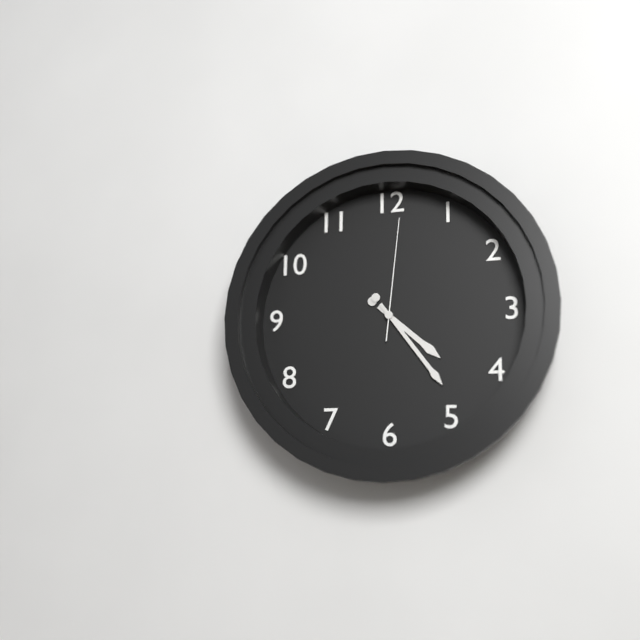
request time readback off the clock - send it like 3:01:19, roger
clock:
4:24:01
